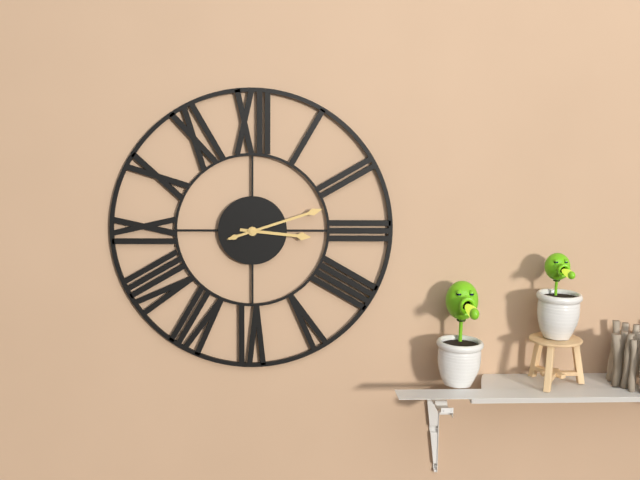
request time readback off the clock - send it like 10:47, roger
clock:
3:12
